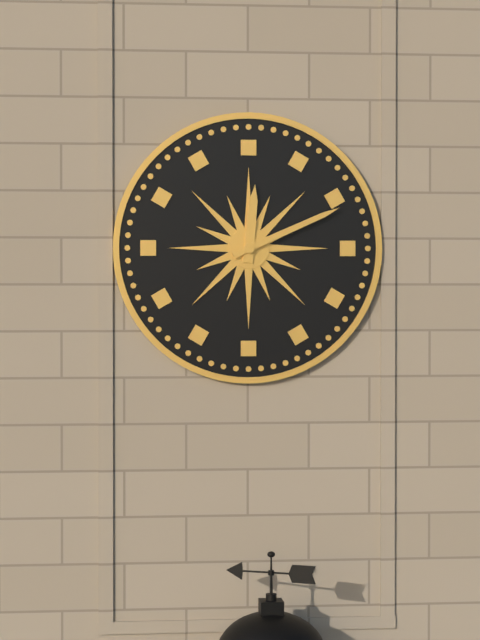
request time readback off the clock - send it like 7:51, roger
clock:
12:11
